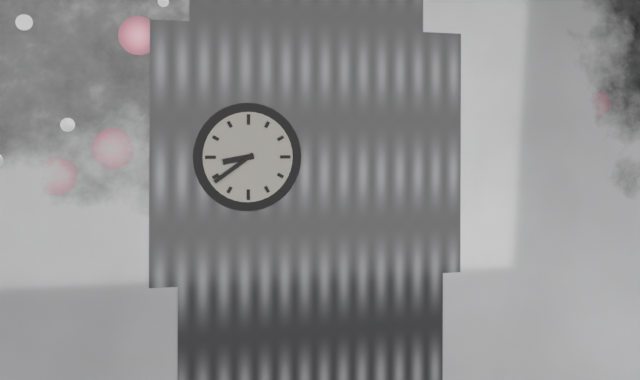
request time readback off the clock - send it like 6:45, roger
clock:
8:39
